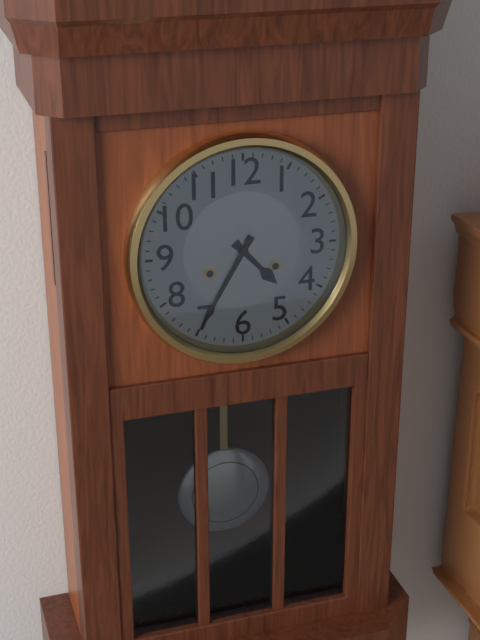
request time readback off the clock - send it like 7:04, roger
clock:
4:35
